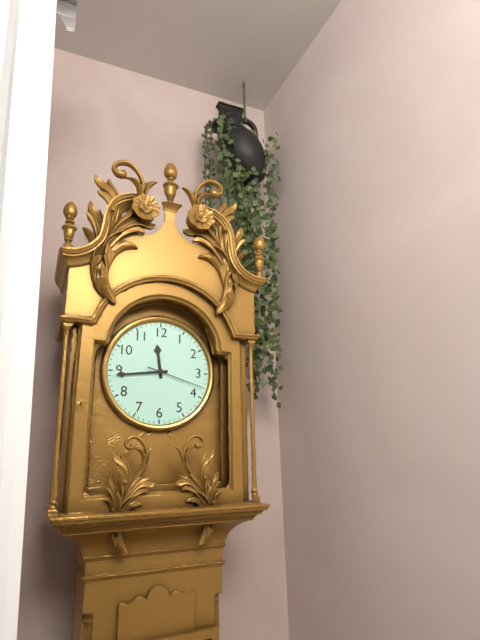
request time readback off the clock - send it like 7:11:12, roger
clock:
11:44:18
